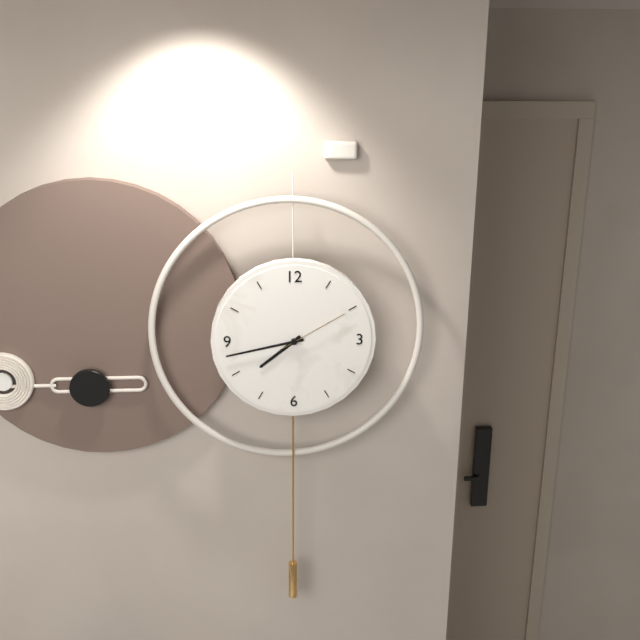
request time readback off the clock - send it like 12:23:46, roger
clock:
7:43:10
